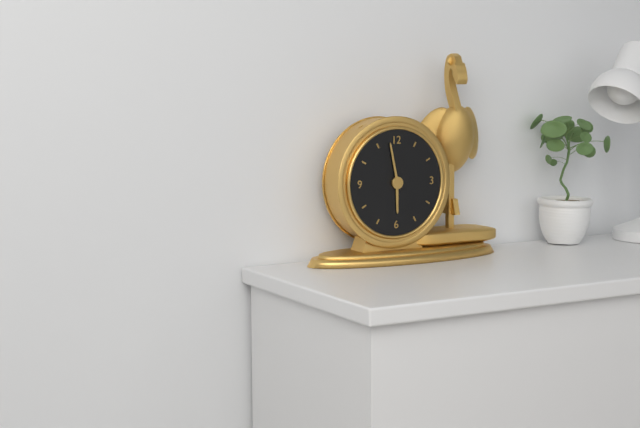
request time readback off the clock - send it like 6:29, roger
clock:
5:58
